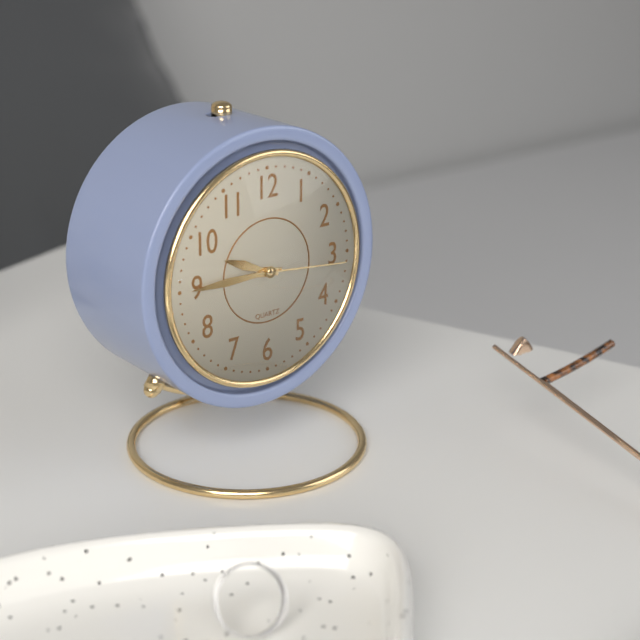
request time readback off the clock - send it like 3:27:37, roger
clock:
9:45:16
